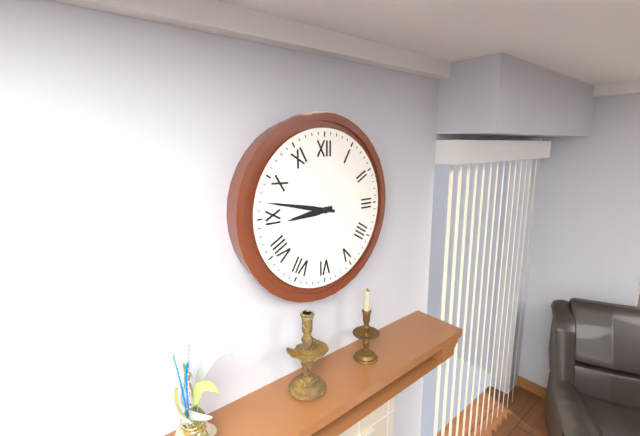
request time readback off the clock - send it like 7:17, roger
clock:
8:47
